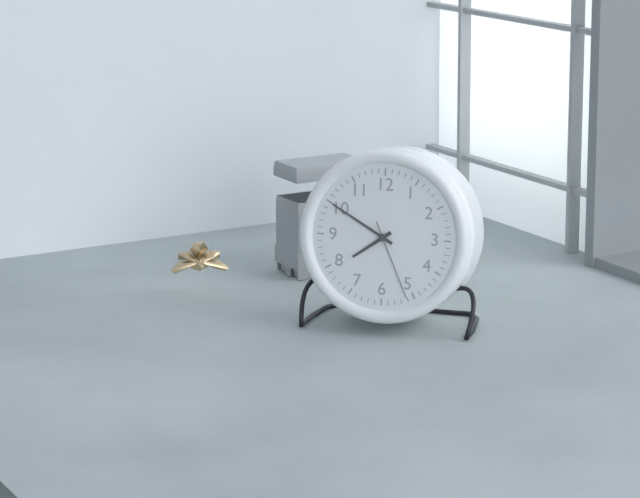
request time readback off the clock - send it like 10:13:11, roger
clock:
7:50:26
